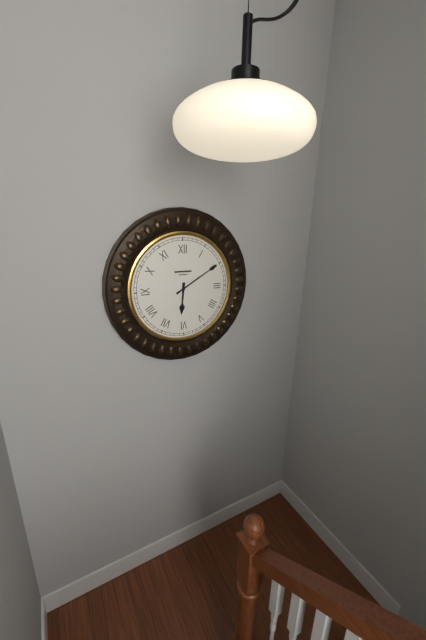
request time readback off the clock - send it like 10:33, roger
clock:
6:10
